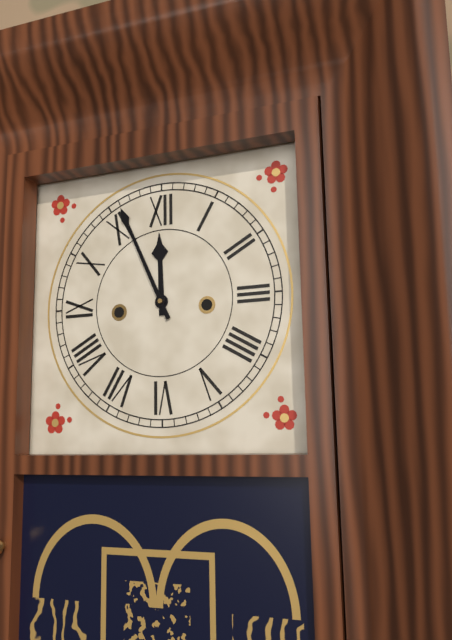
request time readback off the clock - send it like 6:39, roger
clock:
11:56
